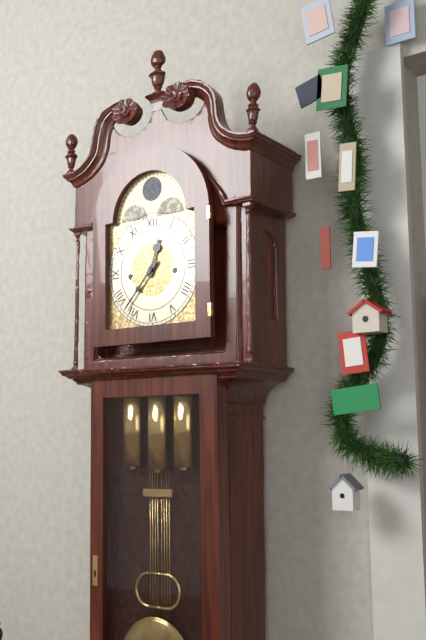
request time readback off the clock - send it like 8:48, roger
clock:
12:37
